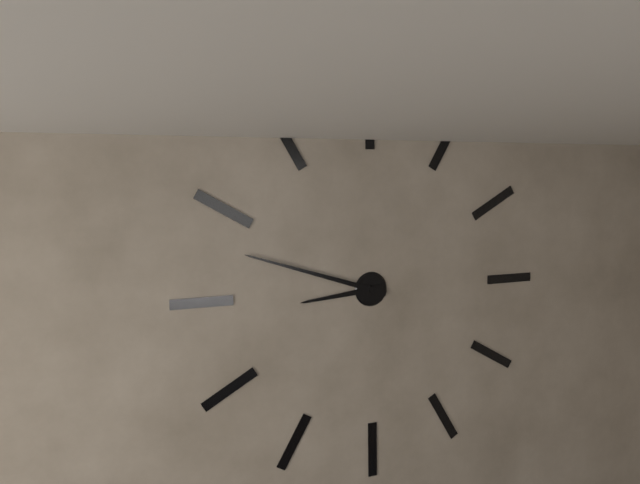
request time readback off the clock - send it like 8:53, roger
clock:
8:48
